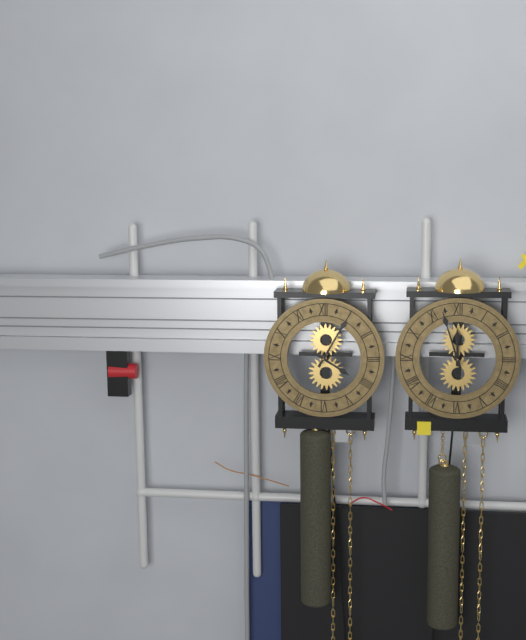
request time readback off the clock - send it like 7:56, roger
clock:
4:05
